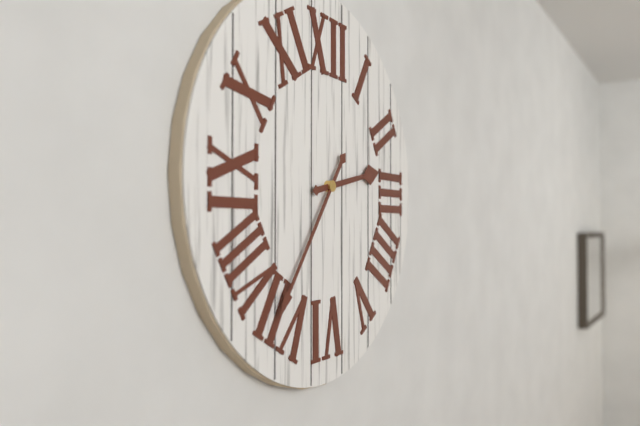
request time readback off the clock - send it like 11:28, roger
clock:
2:36
